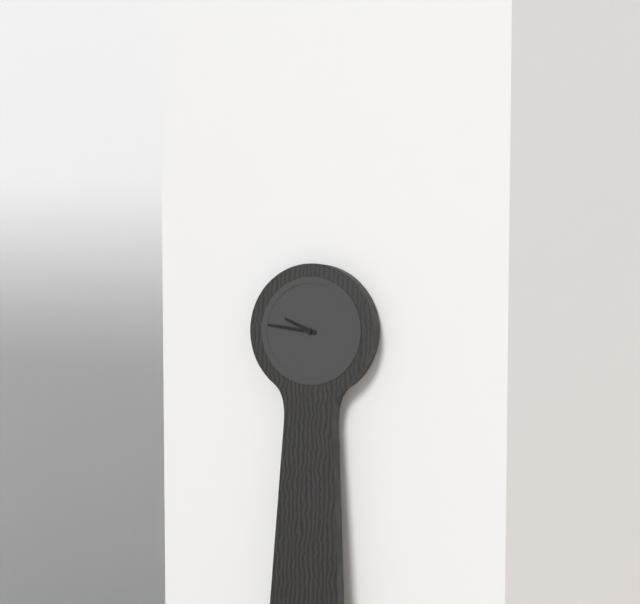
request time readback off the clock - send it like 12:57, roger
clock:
9:46
